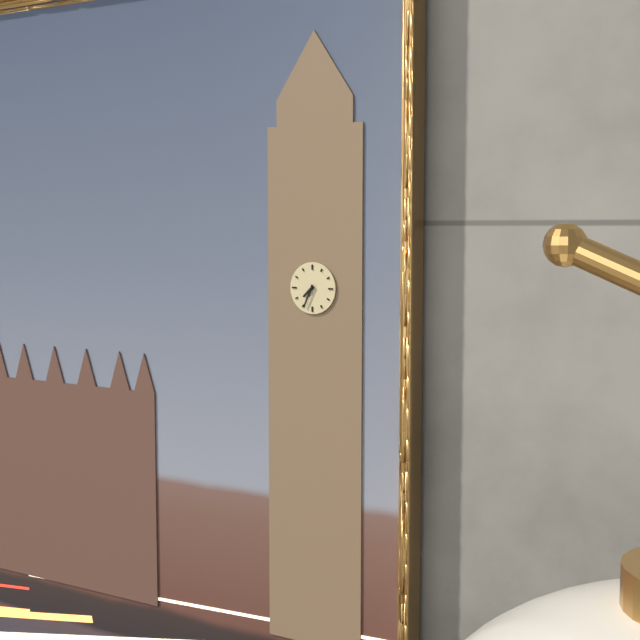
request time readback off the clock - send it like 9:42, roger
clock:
7:34
